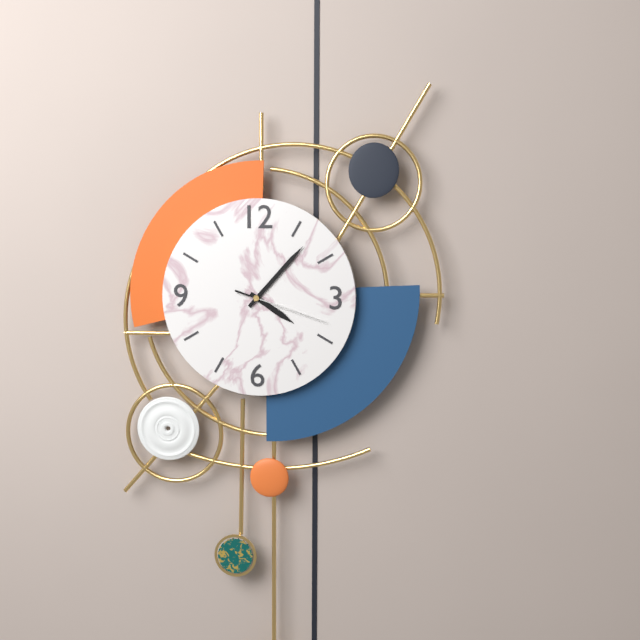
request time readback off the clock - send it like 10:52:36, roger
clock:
4:07:18
